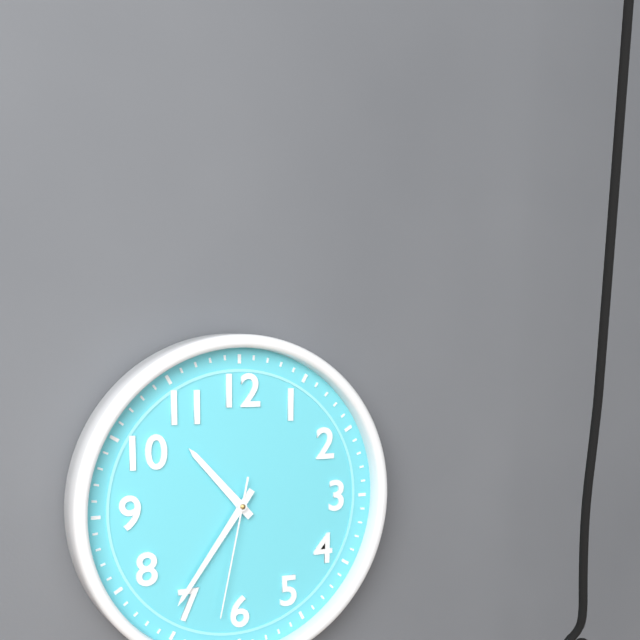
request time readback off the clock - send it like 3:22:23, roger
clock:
10:36:32
